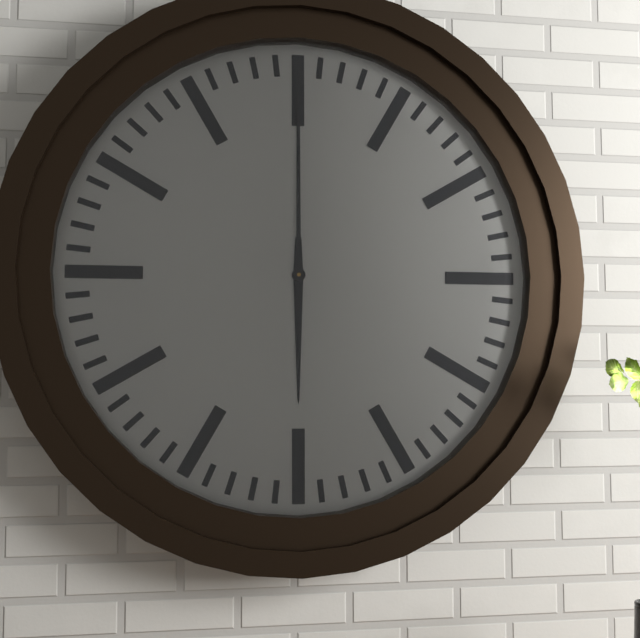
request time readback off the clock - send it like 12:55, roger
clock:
6:00
